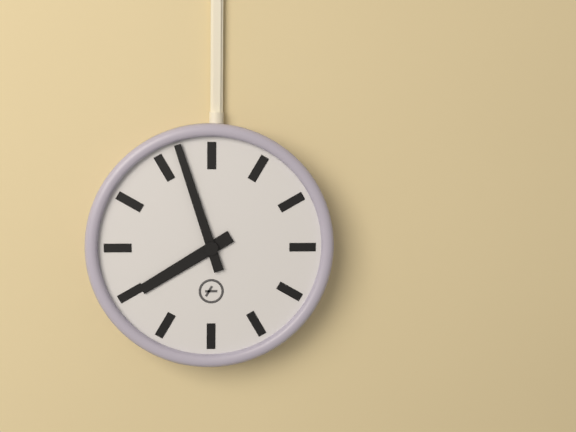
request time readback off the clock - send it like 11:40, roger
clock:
7:57
